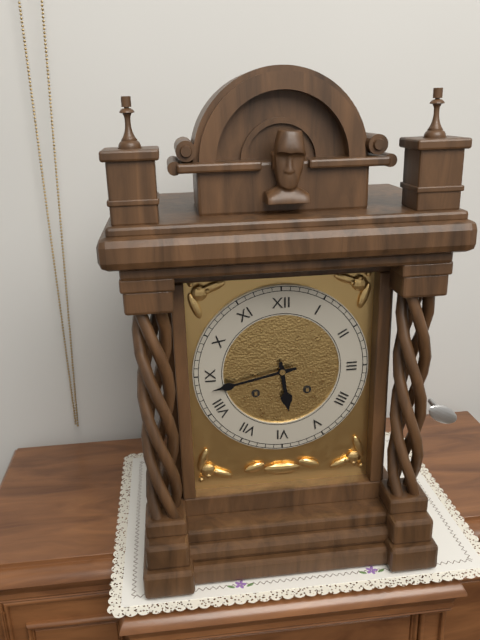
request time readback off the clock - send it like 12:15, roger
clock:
5:43
